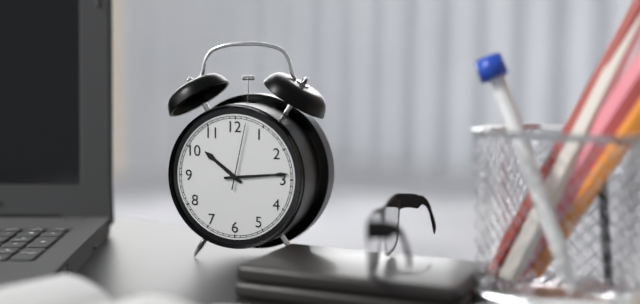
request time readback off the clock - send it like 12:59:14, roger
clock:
10:14:02
